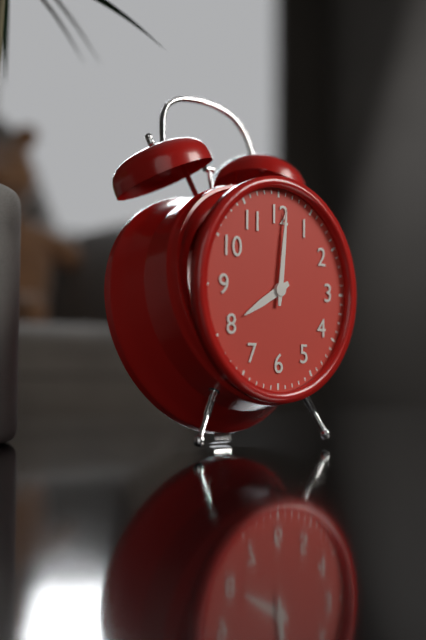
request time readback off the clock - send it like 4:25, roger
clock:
8:01
